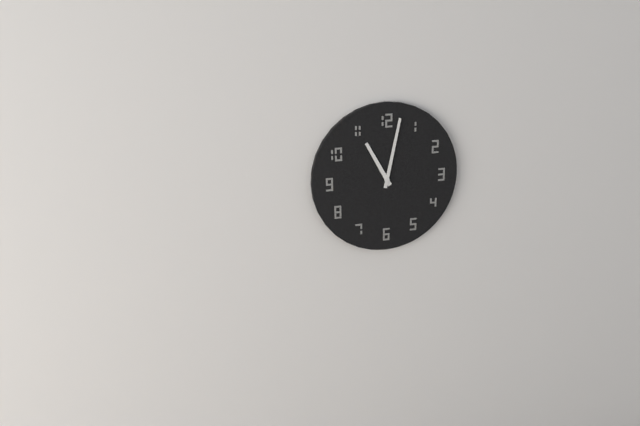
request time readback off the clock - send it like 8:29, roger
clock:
11:02
